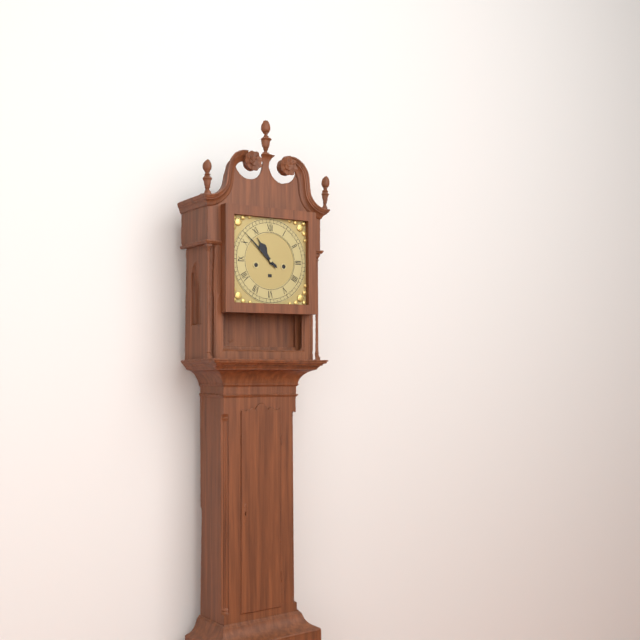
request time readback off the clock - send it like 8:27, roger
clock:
10:52
